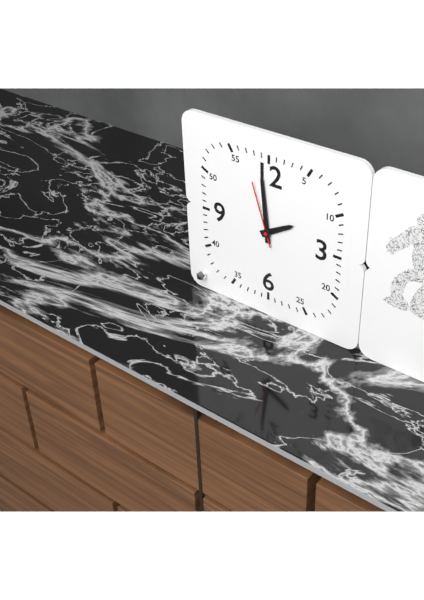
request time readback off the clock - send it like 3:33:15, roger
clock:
1:59:57
